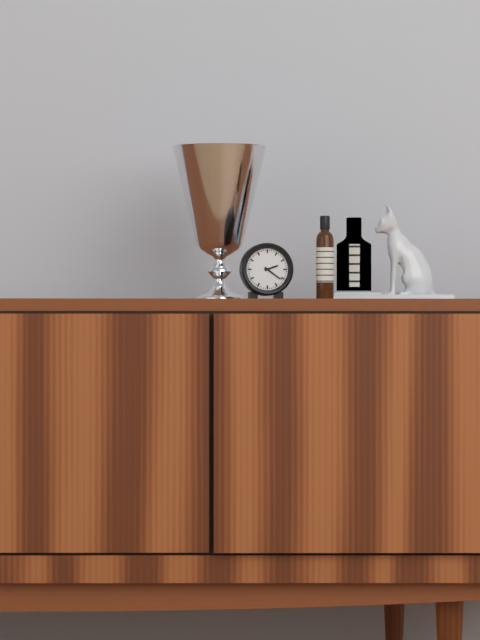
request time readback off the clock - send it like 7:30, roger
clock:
2:21
